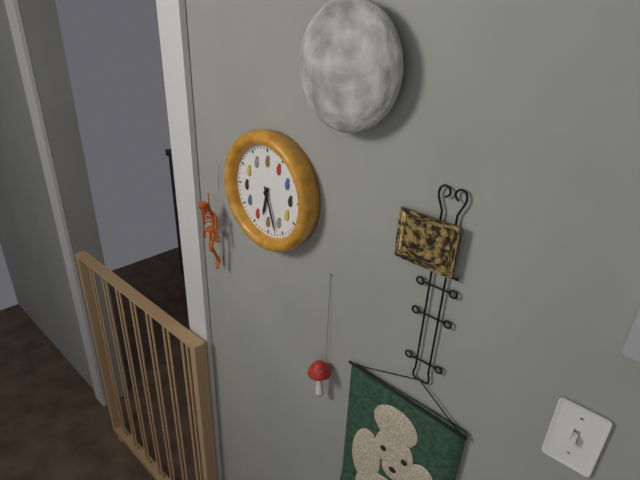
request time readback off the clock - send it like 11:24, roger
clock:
6:27
